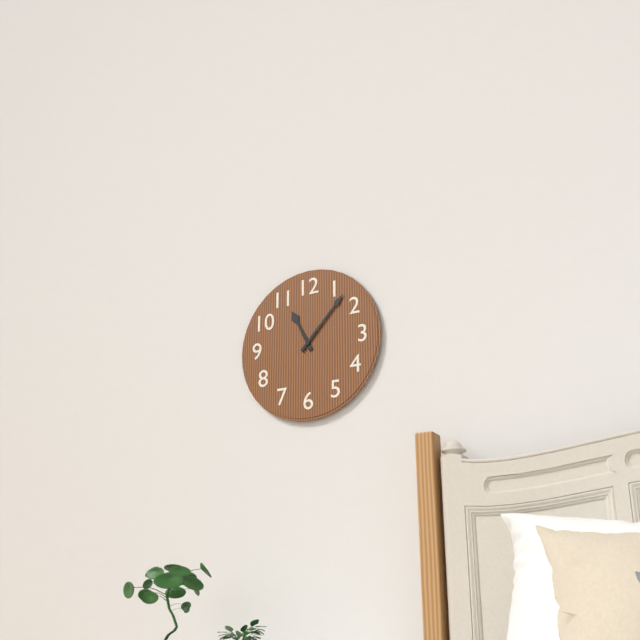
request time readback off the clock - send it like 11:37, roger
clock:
11:07
